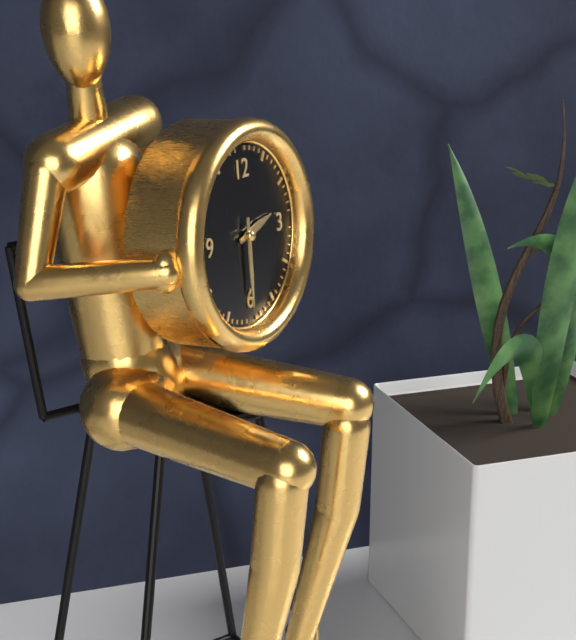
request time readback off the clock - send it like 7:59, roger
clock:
2:30
